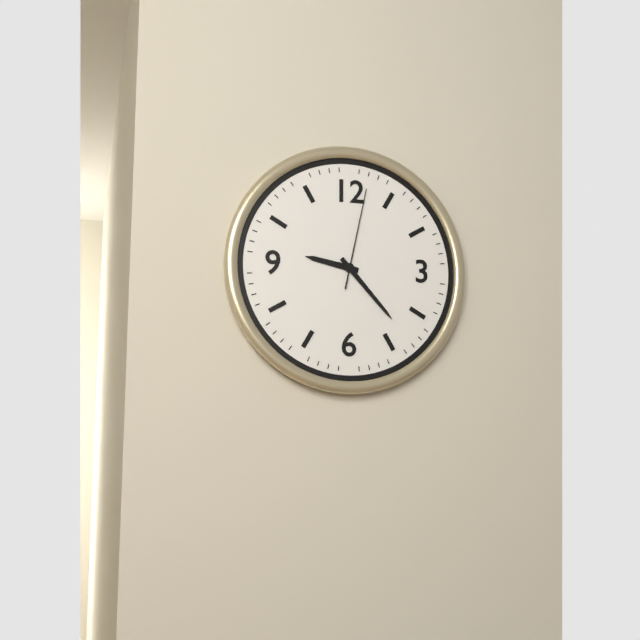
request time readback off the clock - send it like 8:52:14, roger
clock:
9:23:02
